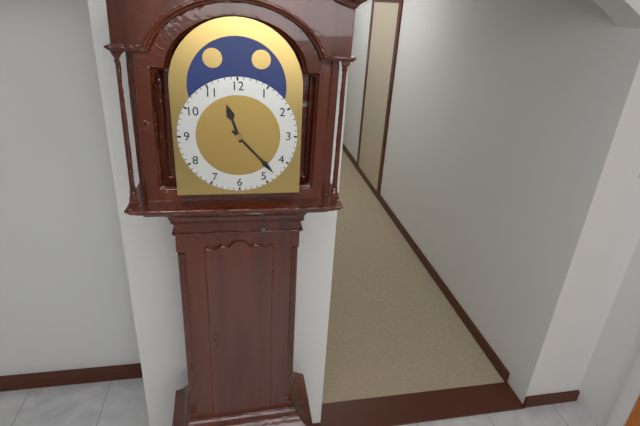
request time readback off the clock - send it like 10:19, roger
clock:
11:23
